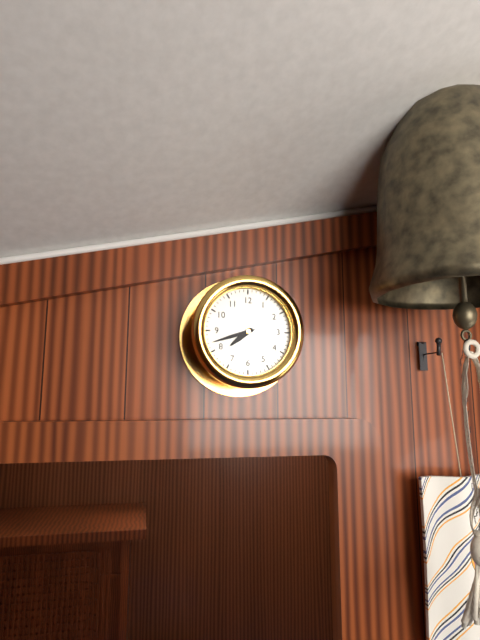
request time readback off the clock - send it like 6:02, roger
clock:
7:42
